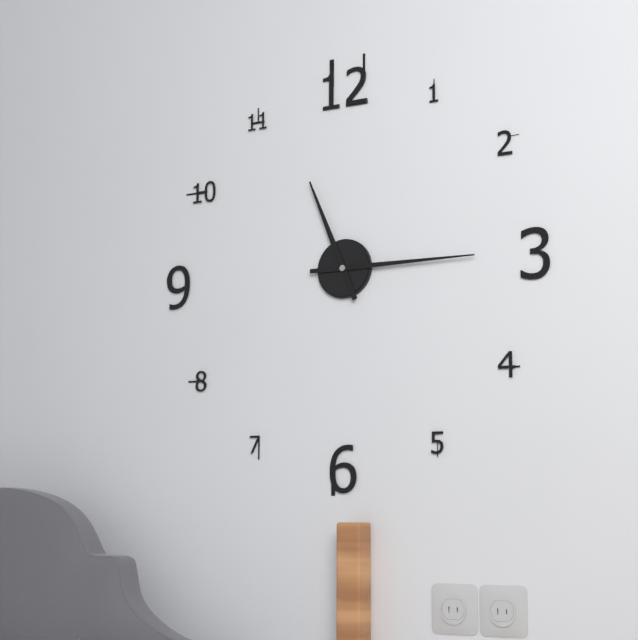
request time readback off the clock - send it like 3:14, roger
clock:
11:15
